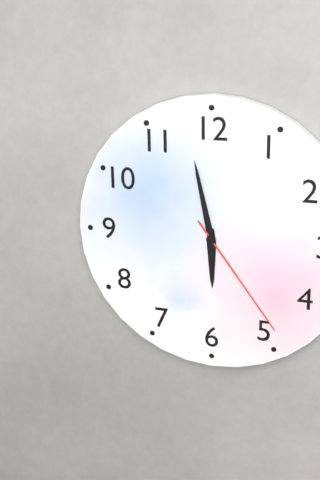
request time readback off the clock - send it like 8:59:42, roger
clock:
5:58:24
